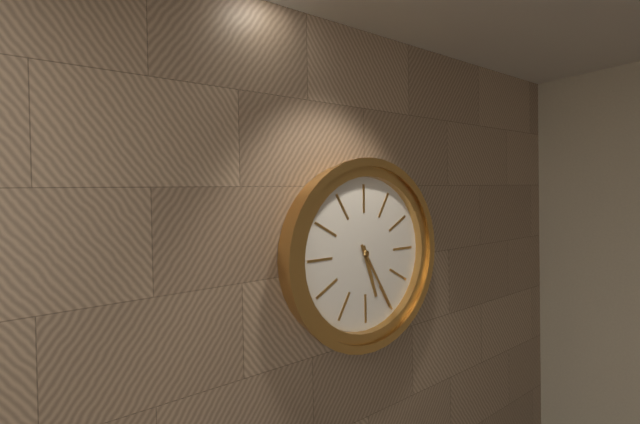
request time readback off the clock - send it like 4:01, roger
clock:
5:25
